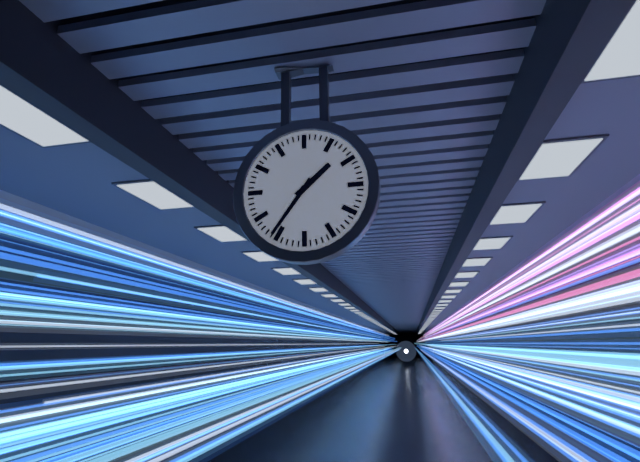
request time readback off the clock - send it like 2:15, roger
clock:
1:36
